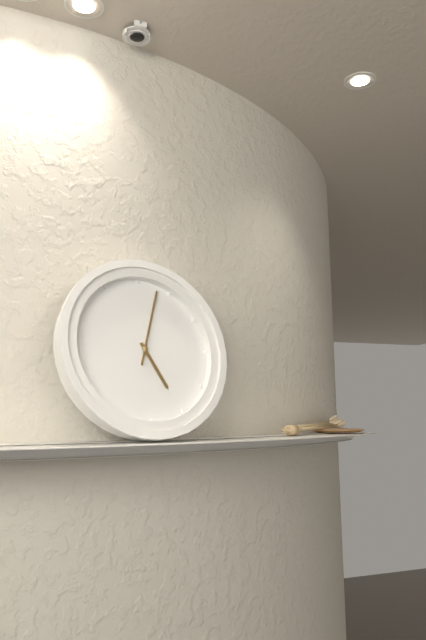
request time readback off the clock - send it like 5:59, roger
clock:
5:03
